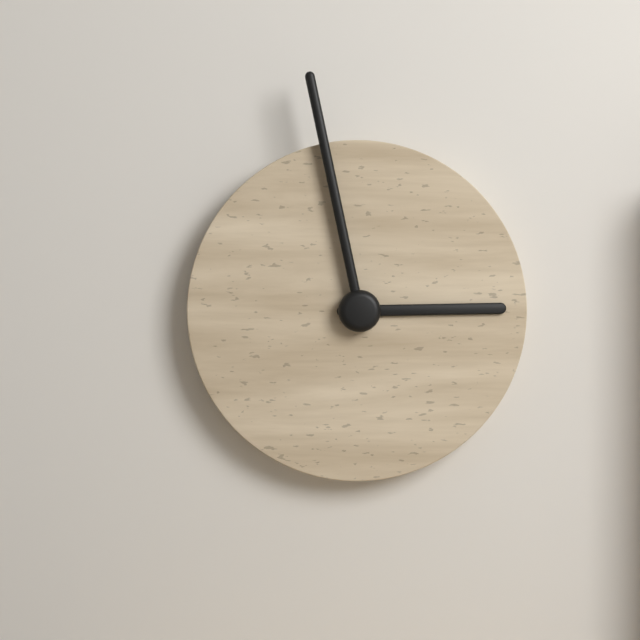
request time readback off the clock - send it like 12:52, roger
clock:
2:58
